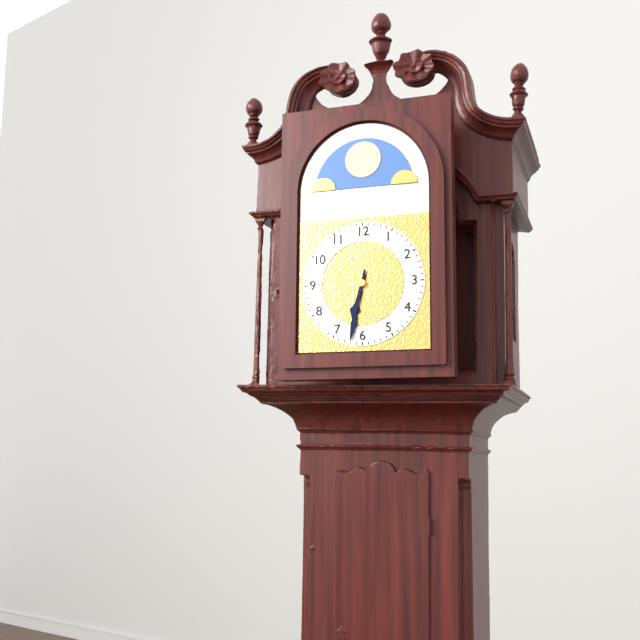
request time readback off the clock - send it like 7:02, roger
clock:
6:32
